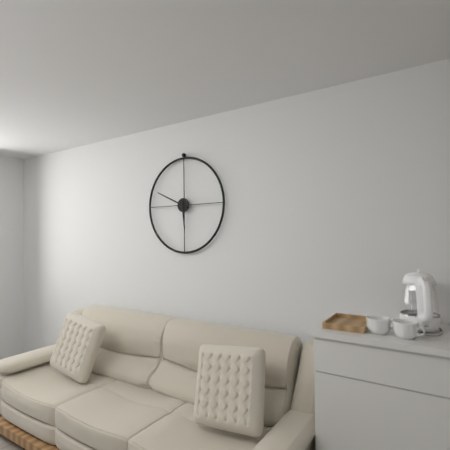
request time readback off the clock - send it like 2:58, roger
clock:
5:49
